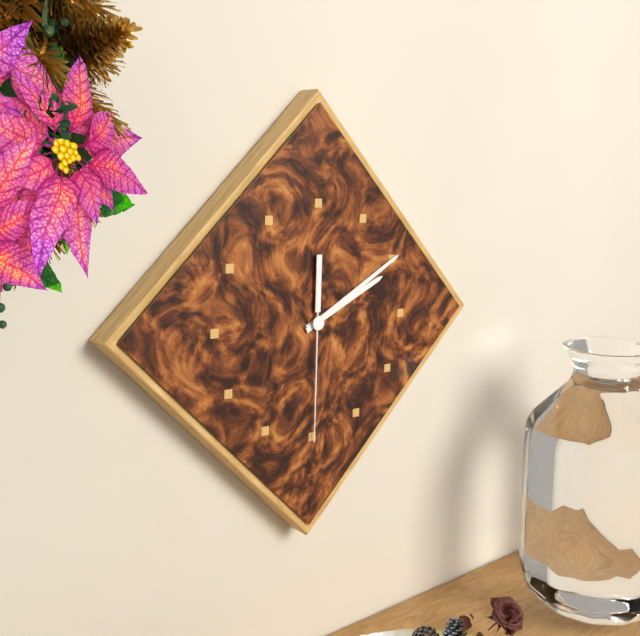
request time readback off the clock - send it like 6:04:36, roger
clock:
2:10:30
